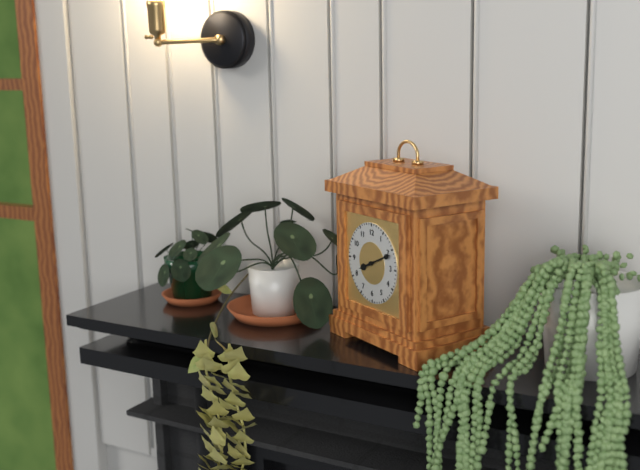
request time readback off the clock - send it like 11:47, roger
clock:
8:11
